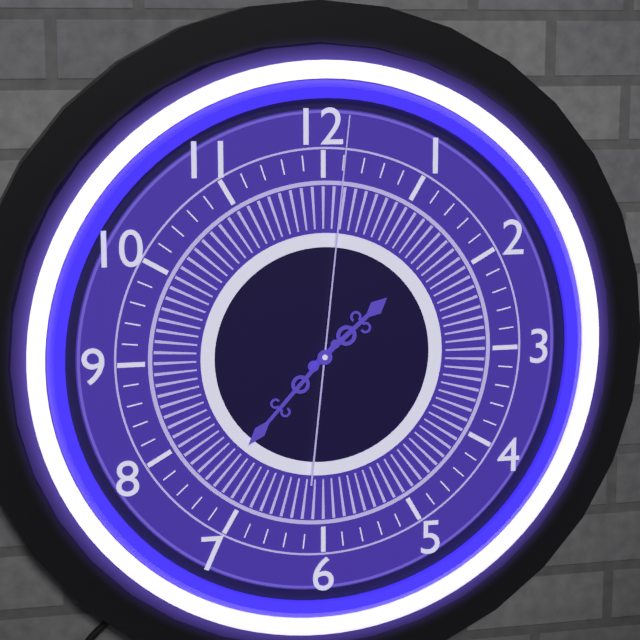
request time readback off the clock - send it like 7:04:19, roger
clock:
1:37:01
